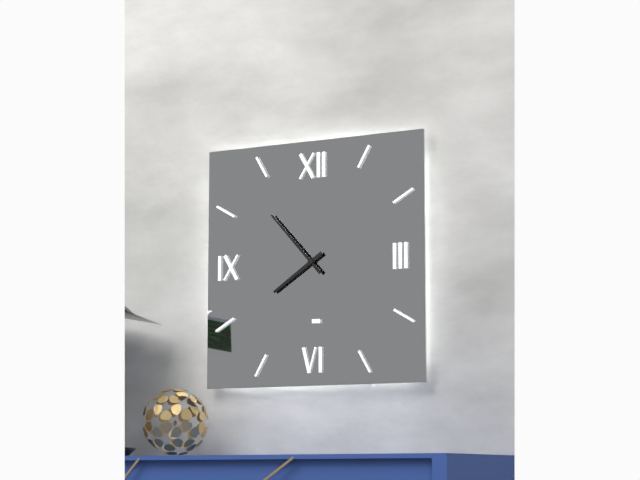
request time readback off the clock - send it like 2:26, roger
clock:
7:53
